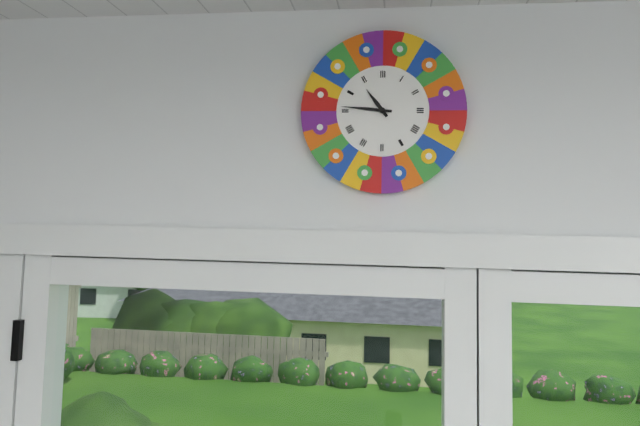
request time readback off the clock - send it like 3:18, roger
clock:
10:46
